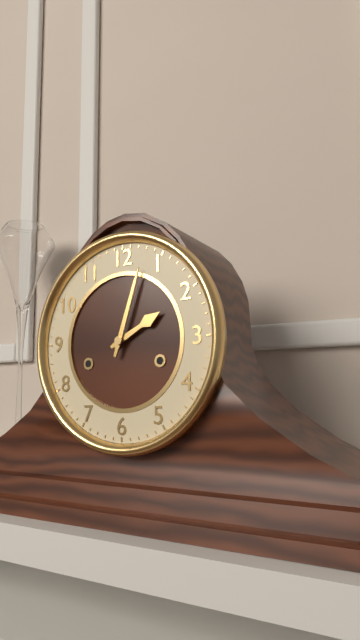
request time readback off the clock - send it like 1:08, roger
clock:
2:03
